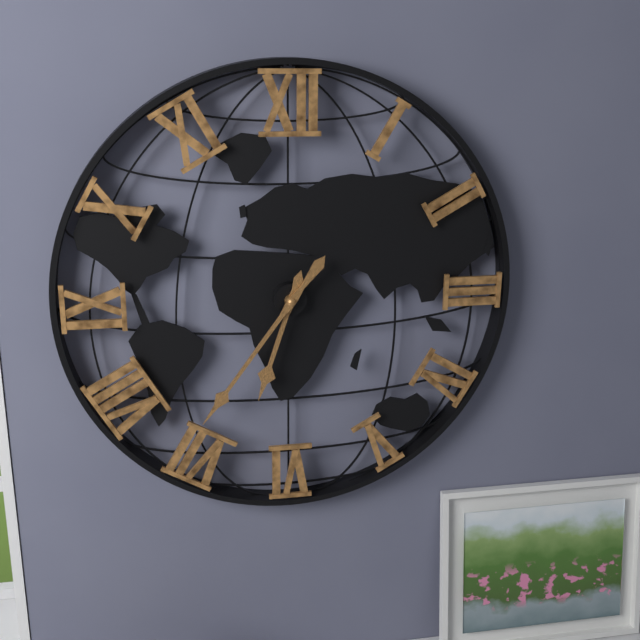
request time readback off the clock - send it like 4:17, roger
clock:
6:36
